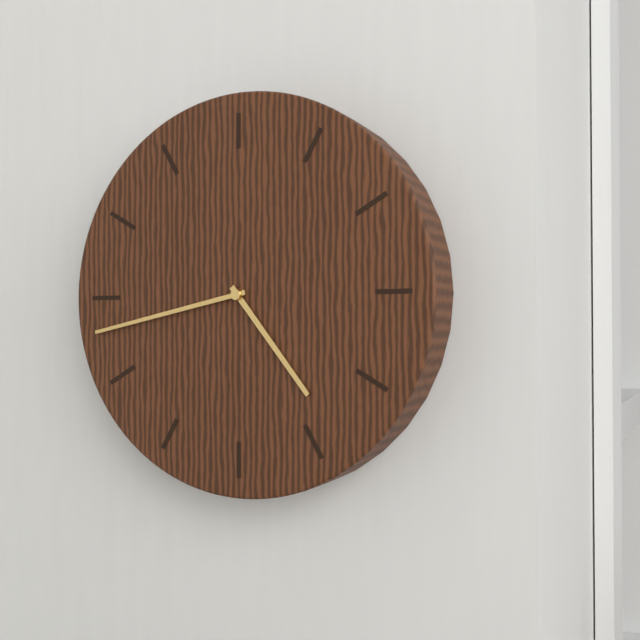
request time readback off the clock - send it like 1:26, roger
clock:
4:43
